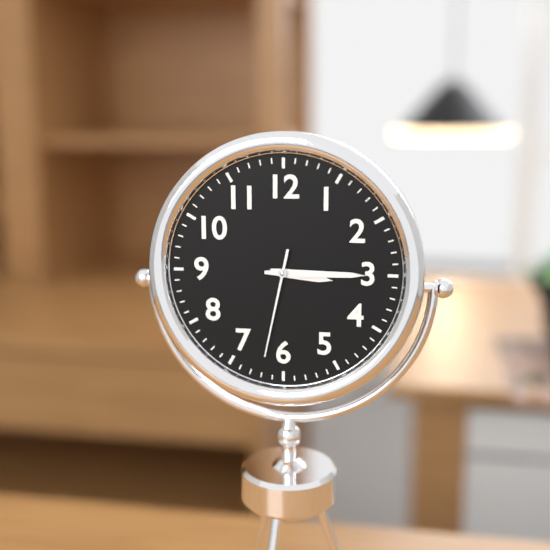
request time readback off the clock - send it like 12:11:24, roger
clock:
3:15:32
